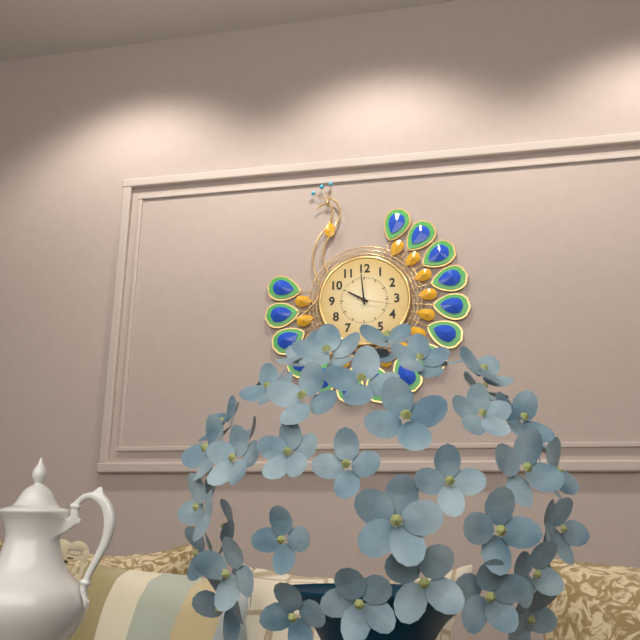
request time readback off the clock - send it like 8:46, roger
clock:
9:59
